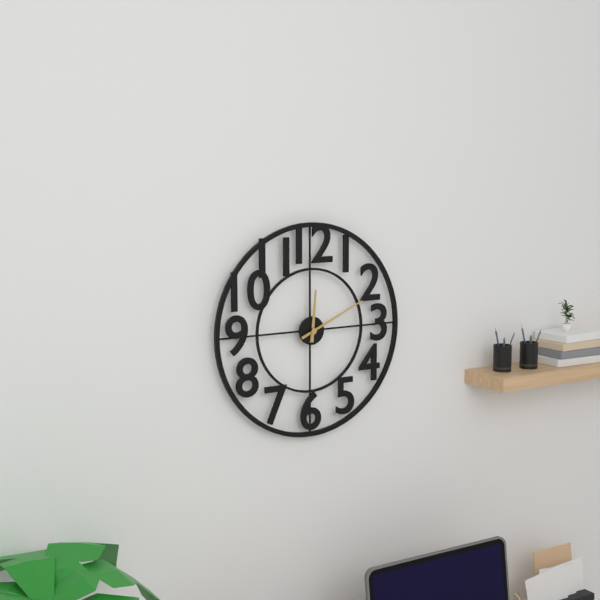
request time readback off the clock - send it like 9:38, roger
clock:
12:11
